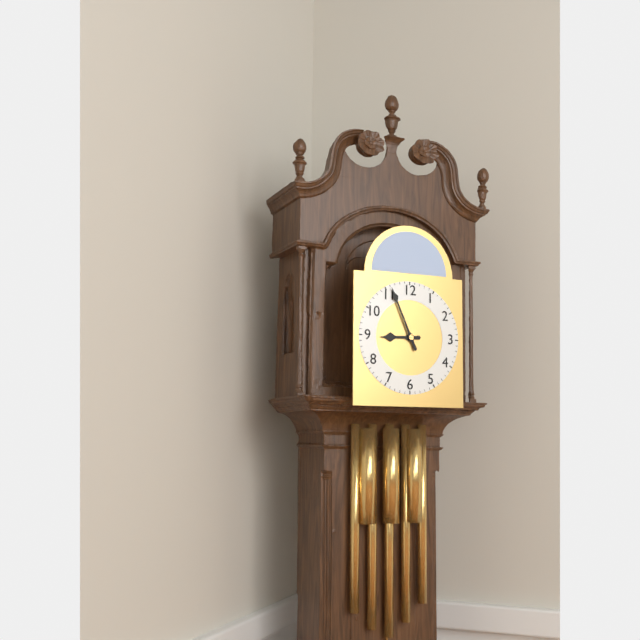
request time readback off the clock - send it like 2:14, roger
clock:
8:56
